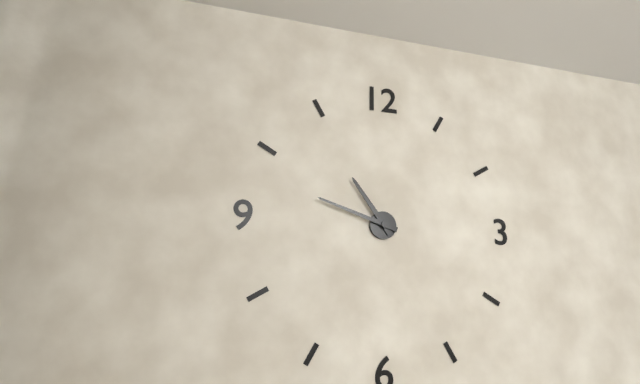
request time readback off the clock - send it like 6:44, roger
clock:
10:48
